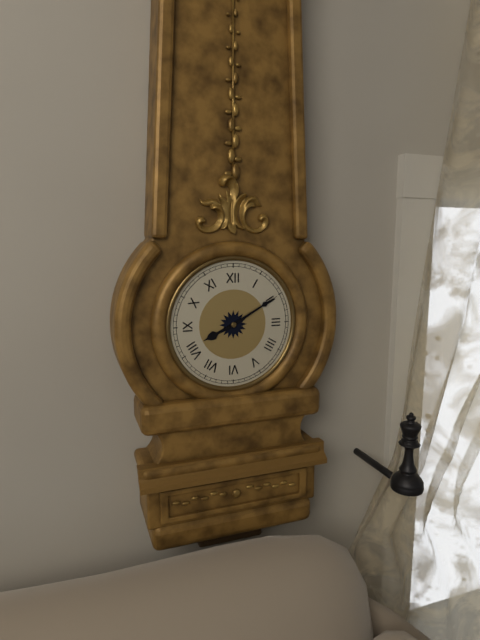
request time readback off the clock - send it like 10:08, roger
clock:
8:10
